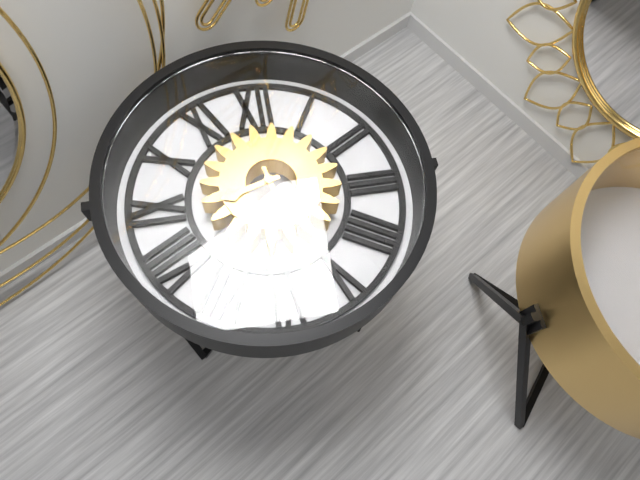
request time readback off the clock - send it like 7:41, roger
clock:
8:28
